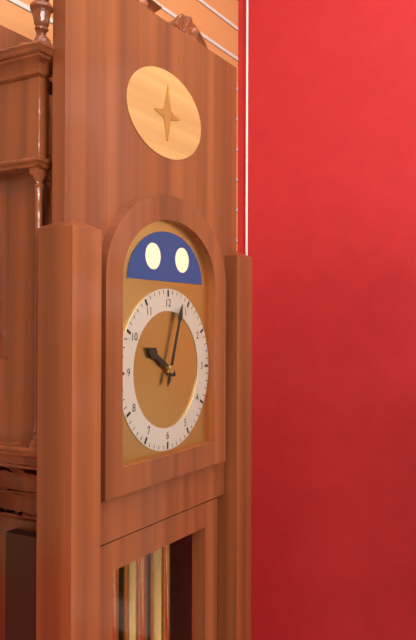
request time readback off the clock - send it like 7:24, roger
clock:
10:03
